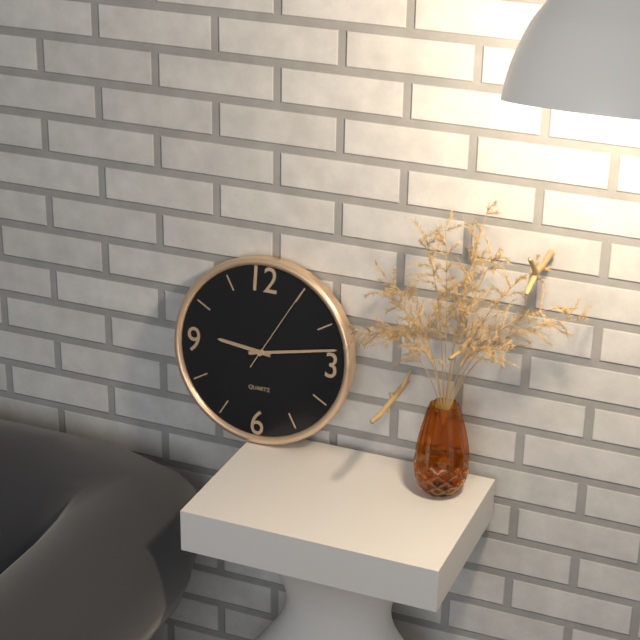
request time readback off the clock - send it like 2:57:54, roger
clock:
9:13:05
